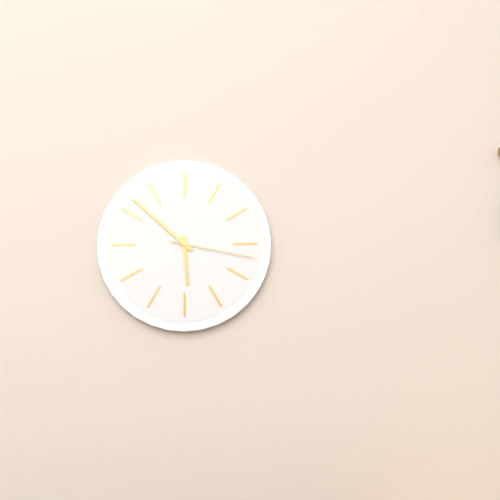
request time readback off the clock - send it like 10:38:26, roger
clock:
5:52:17
